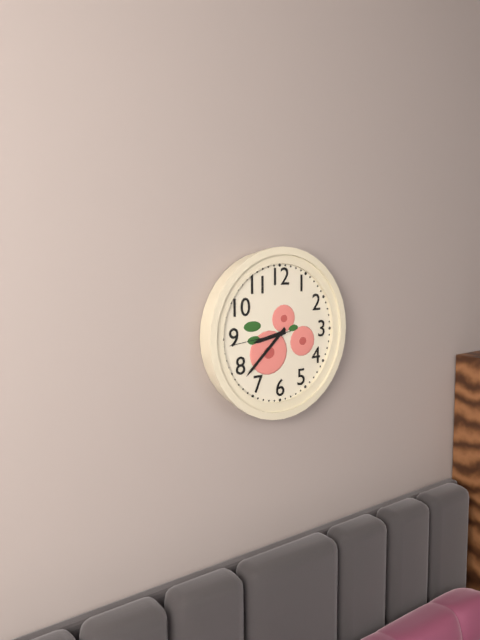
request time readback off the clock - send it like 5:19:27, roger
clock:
8:38:44
